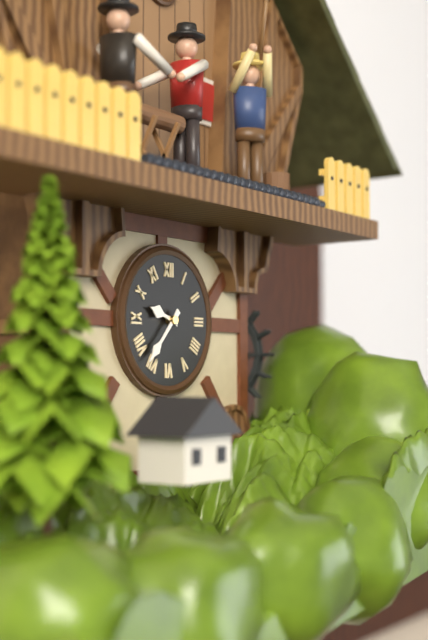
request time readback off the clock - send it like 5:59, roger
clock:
9:37
